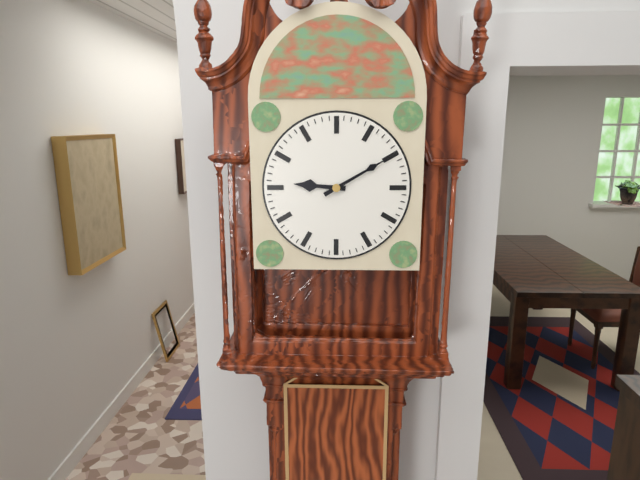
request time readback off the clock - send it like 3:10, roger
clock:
9:10
